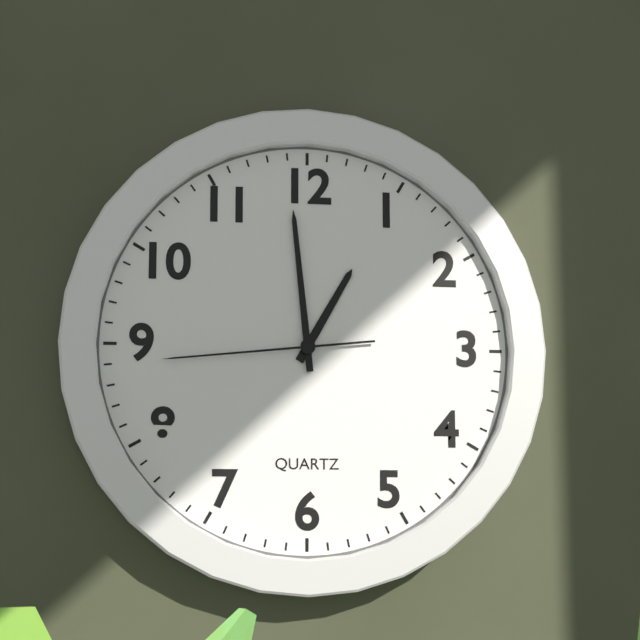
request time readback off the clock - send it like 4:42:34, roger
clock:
12:59:44
